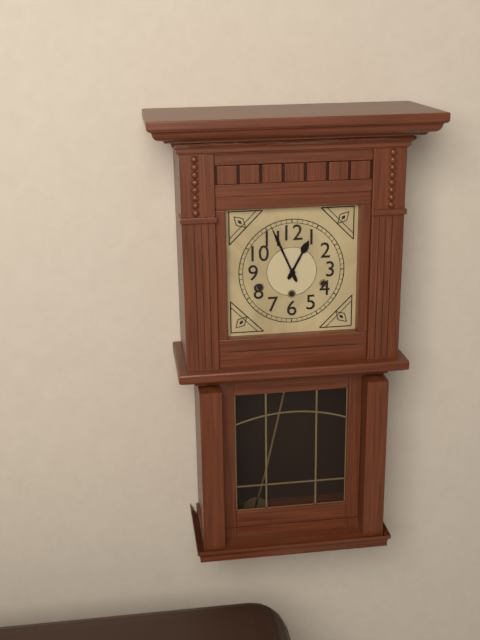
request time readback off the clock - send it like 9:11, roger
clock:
12:56
